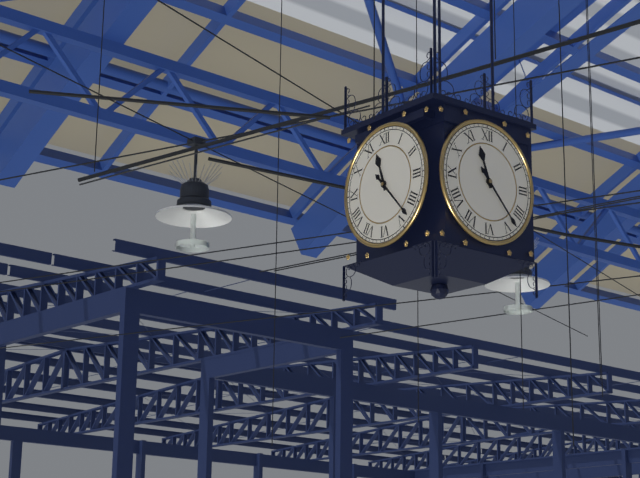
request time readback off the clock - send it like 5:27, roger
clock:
11:23
